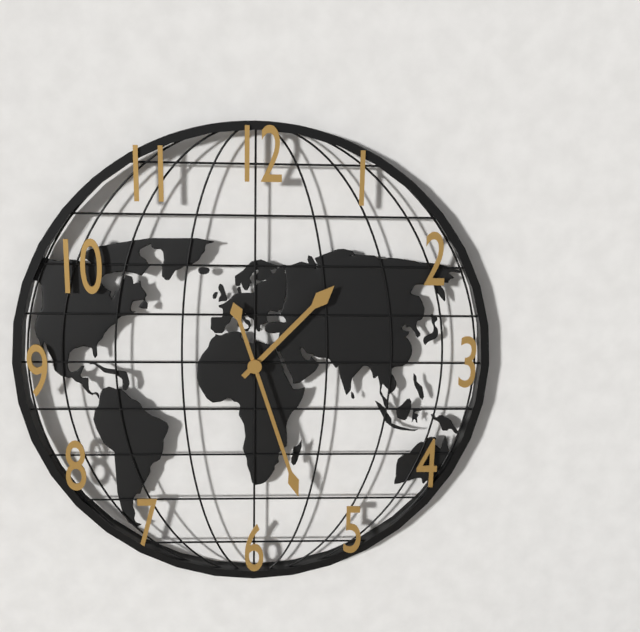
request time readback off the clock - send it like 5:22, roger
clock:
1:27
